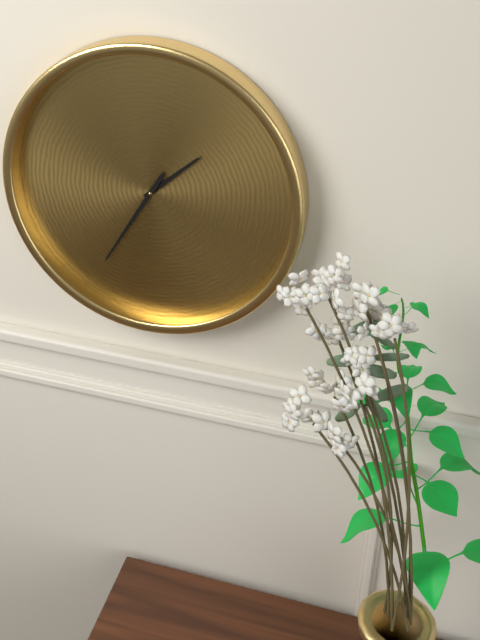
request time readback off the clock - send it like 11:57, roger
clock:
1:35
